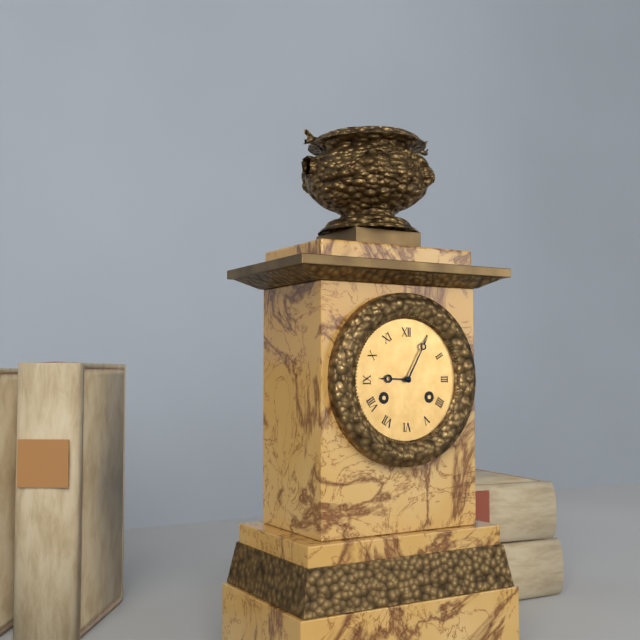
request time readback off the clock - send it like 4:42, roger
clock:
9:05
